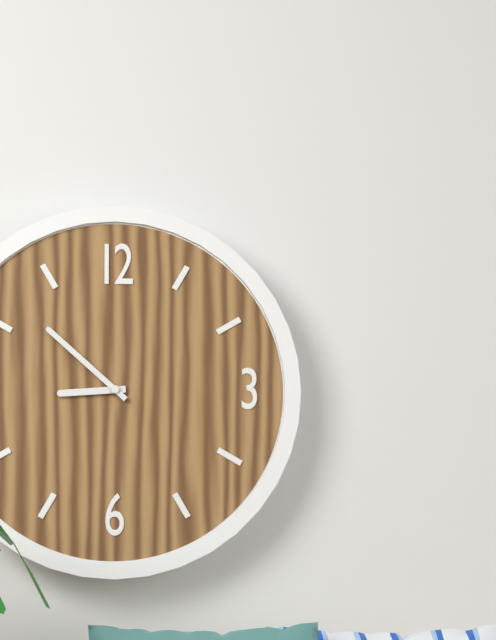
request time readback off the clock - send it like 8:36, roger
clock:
8:52
